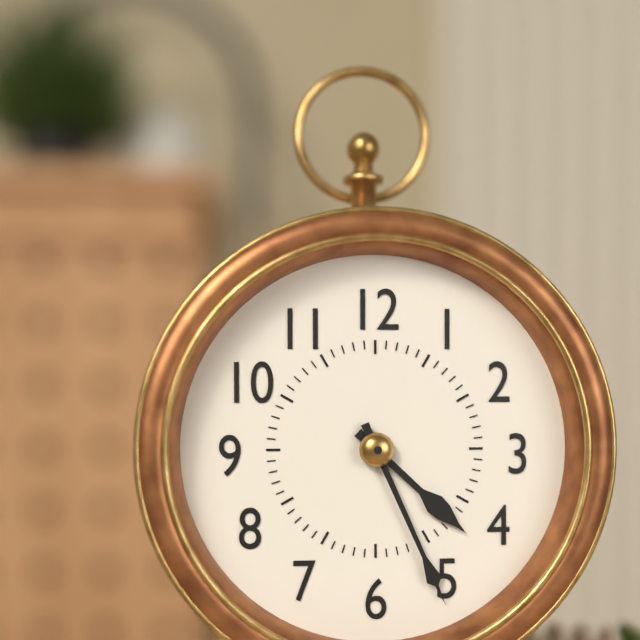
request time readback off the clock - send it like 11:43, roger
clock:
4:26
